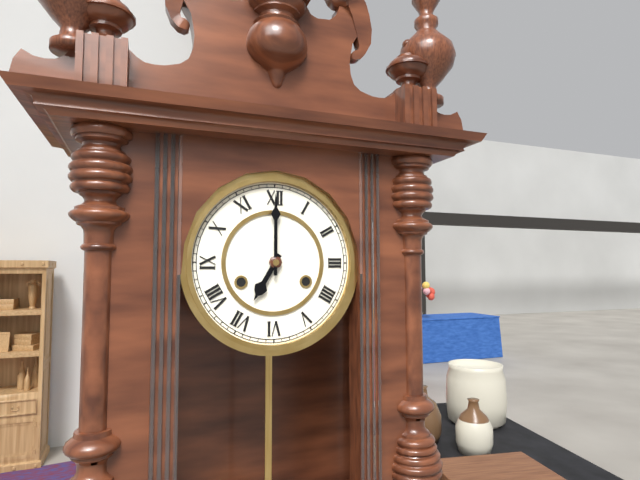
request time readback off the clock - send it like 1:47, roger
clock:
7:00
